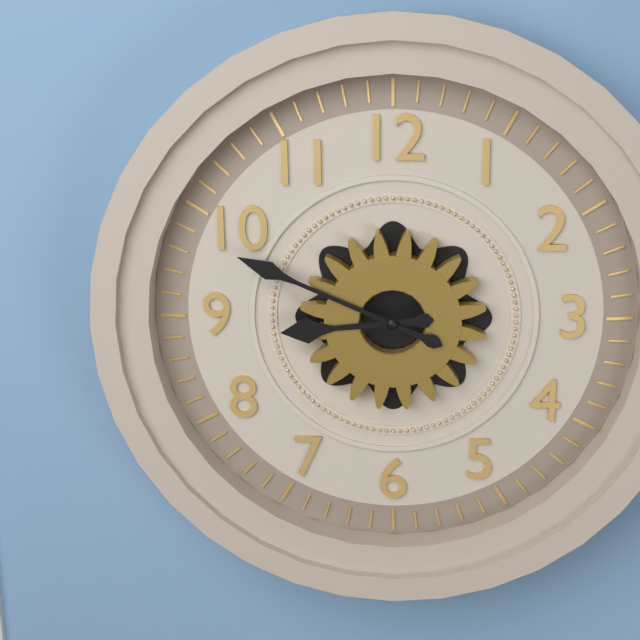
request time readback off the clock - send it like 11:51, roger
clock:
8:49
